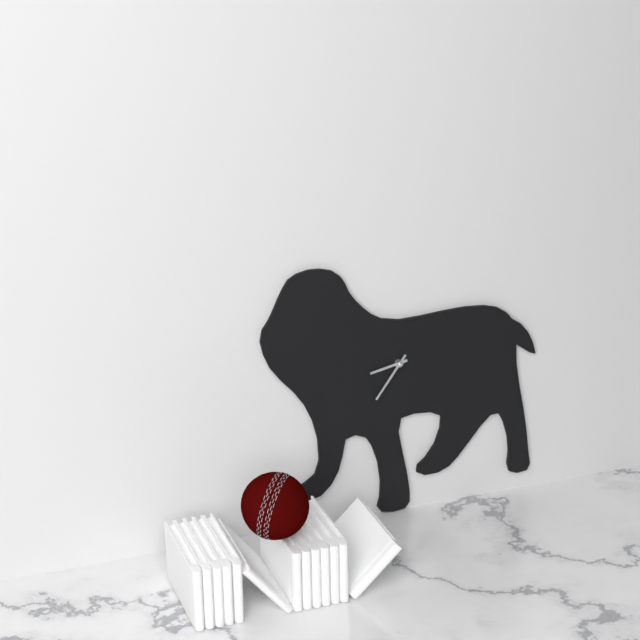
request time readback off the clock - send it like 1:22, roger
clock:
8:36
